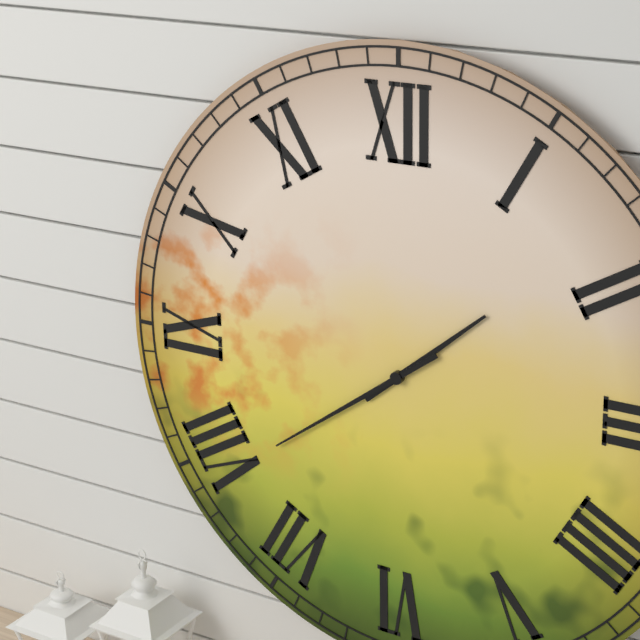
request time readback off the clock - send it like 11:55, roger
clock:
1:39
